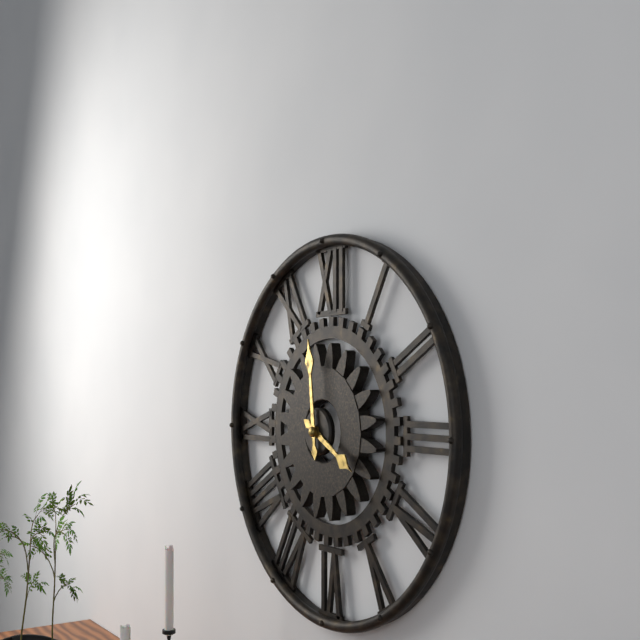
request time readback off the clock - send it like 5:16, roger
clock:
3:59
